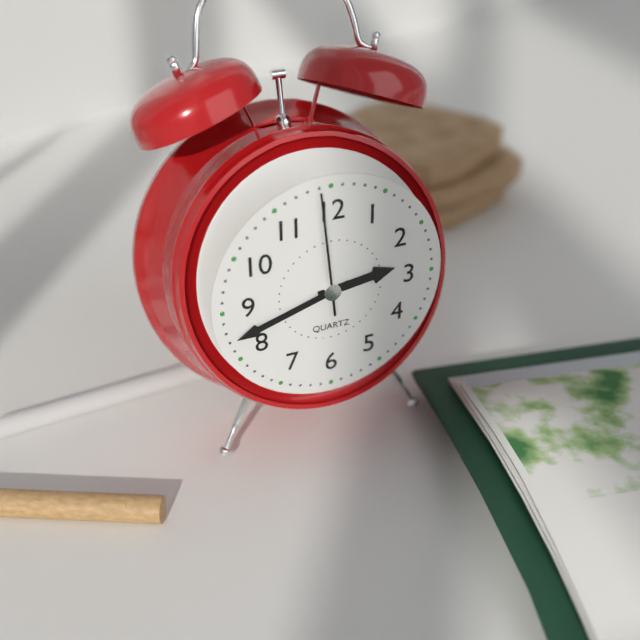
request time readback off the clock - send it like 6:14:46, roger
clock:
2:42:59
